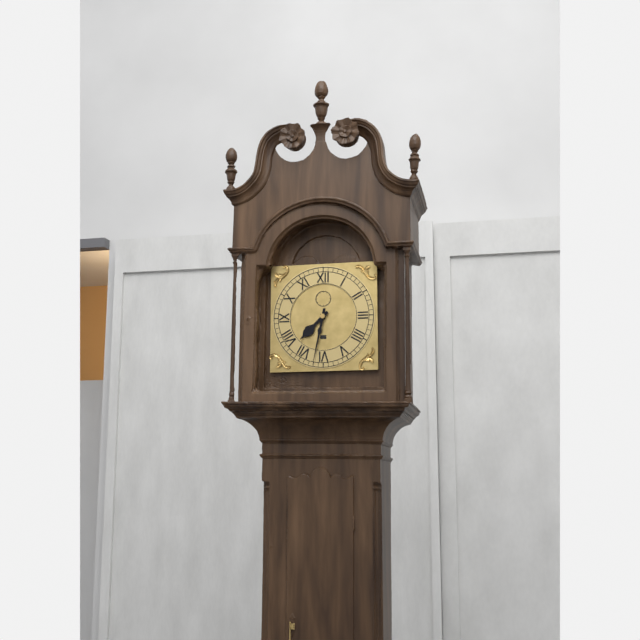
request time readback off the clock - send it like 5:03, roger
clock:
7:32
